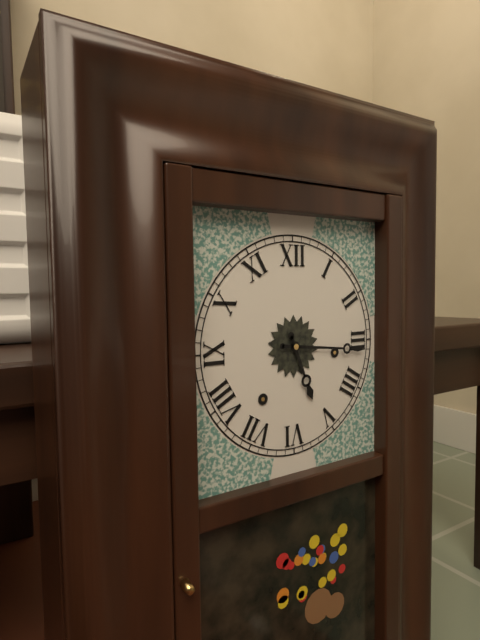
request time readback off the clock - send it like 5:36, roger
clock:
5:16
